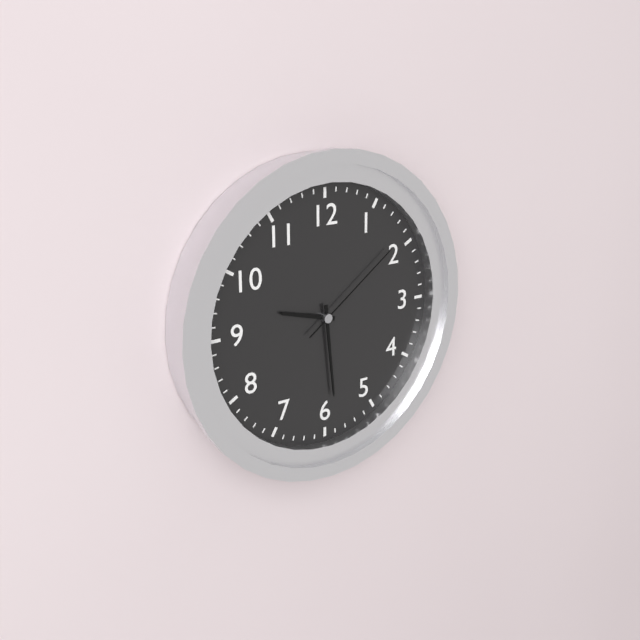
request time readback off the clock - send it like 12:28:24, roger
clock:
9:29:09
